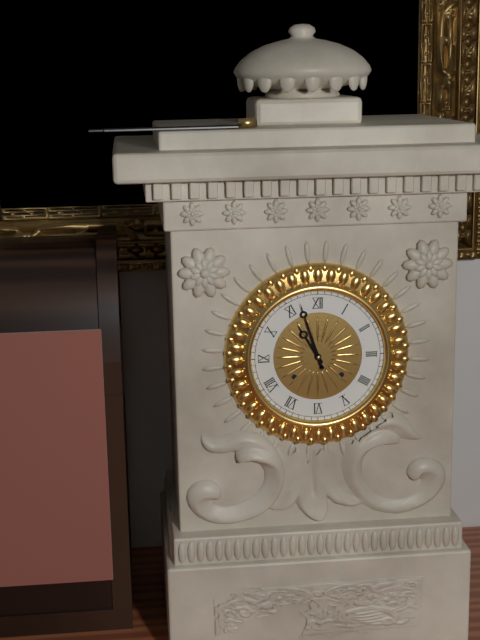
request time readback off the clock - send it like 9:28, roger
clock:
10:57
